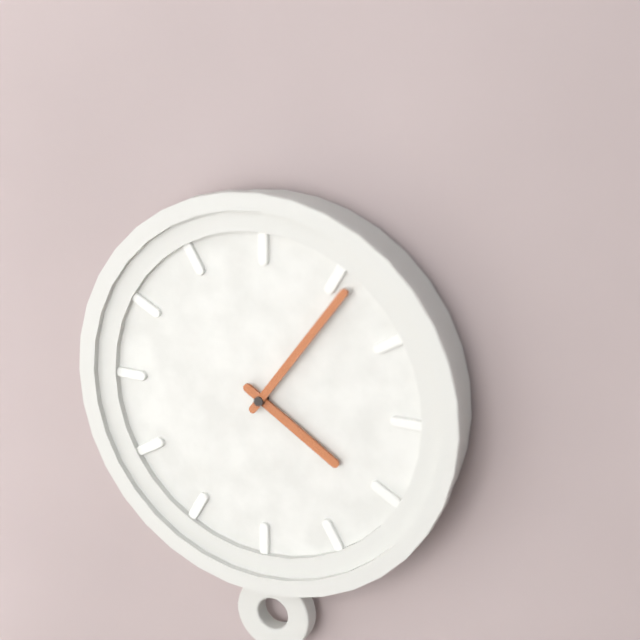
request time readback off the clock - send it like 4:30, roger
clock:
4:06
